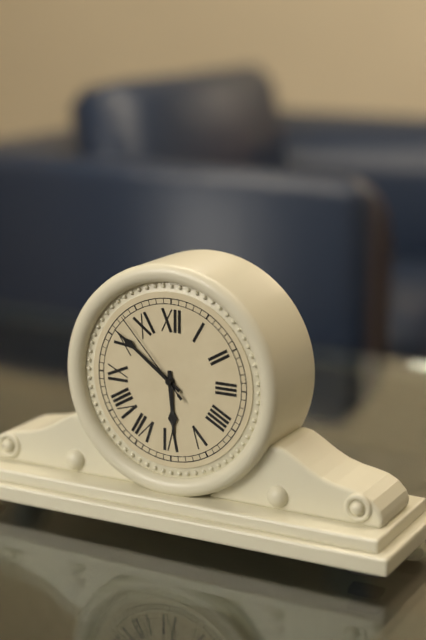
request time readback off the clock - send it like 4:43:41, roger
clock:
5:51:53
